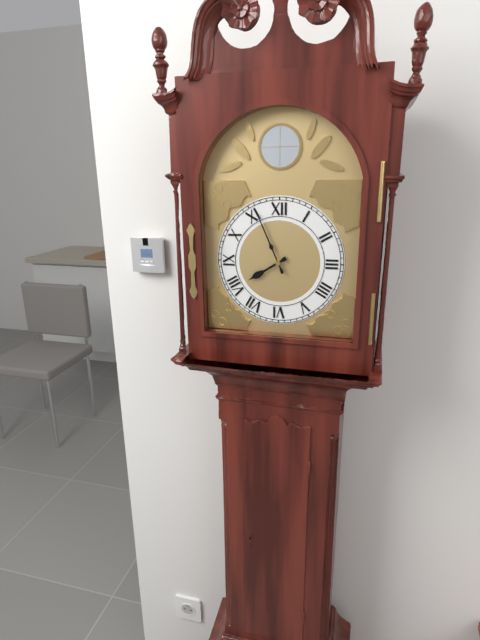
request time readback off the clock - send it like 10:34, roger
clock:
7:56
